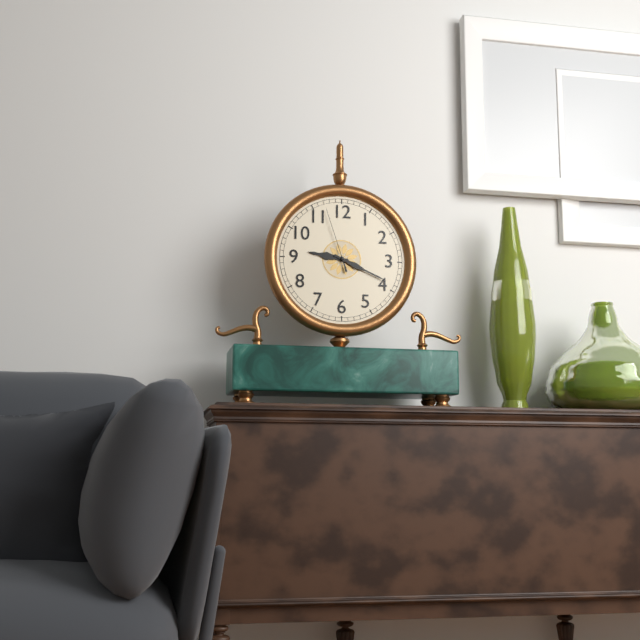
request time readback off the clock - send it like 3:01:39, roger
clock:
9:19:57
